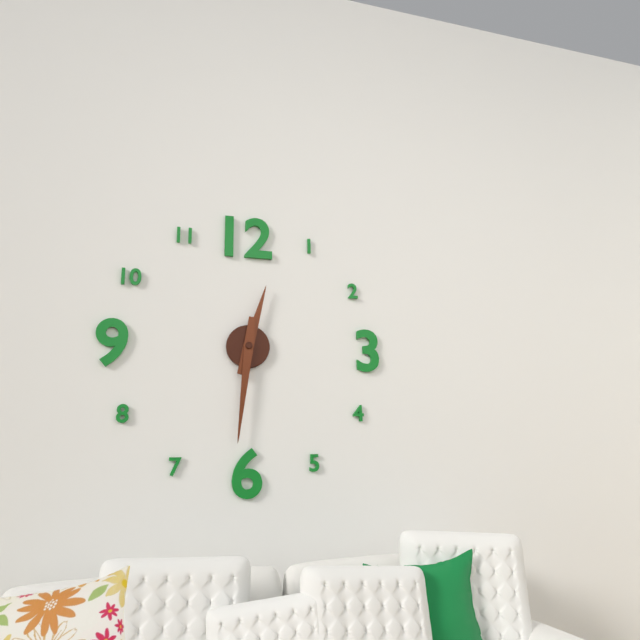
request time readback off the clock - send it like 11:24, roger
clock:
12:31
